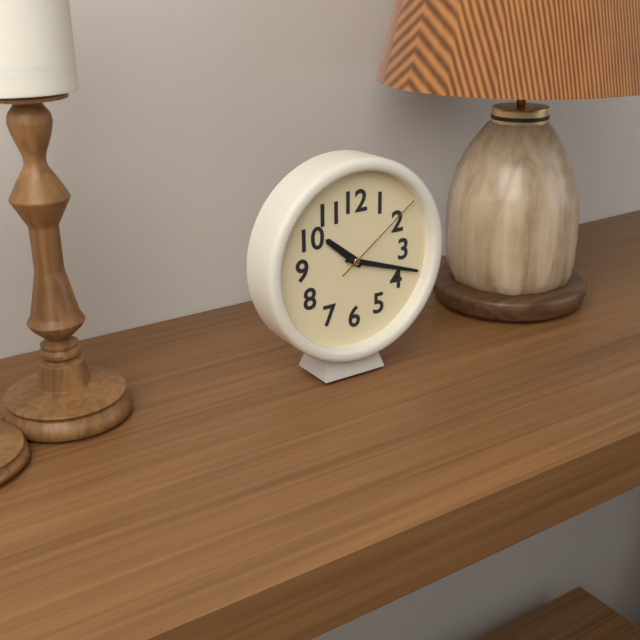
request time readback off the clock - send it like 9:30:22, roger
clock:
10:18:09
